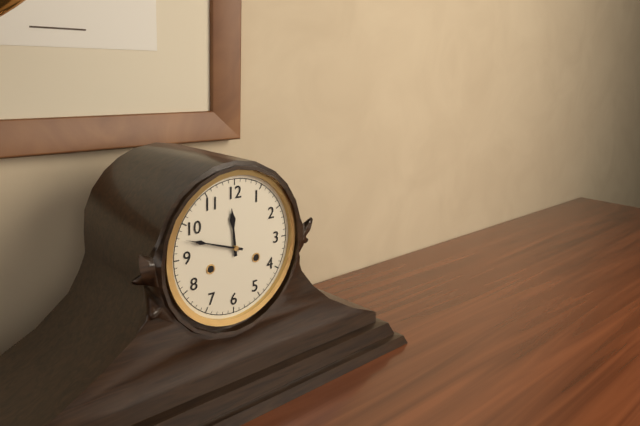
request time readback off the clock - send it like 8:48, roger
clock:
11:48
